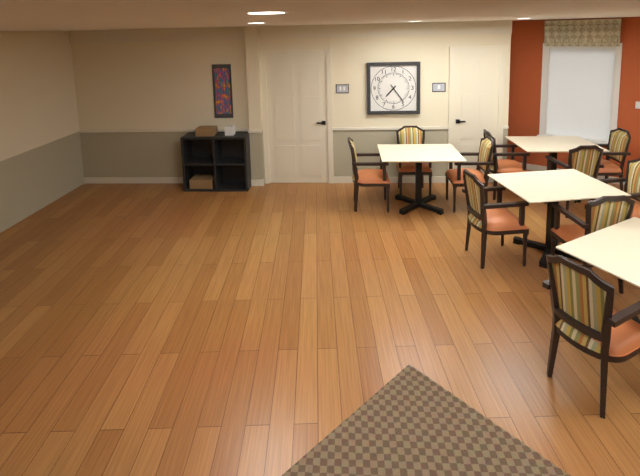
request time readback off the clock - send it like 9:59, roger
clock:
7:24
